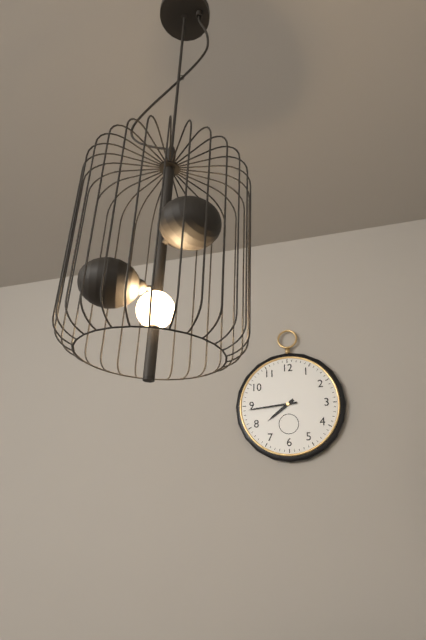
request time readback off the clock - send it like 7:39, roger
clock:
7:44
